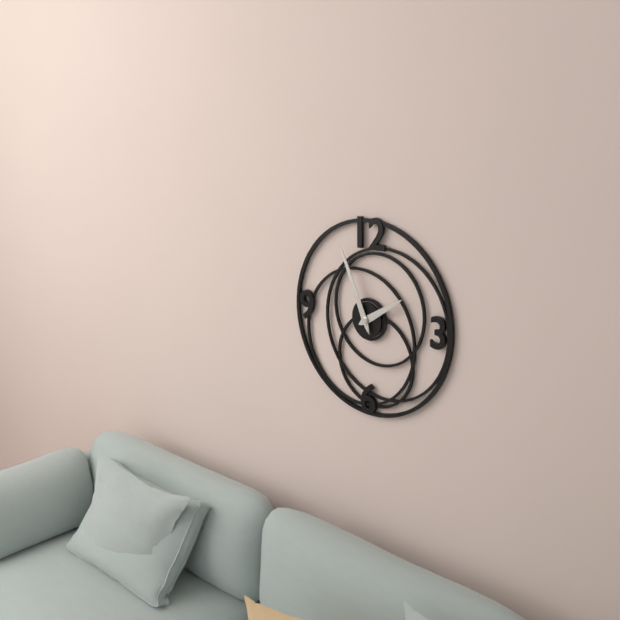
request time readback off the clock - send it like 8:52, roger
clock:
1:56
